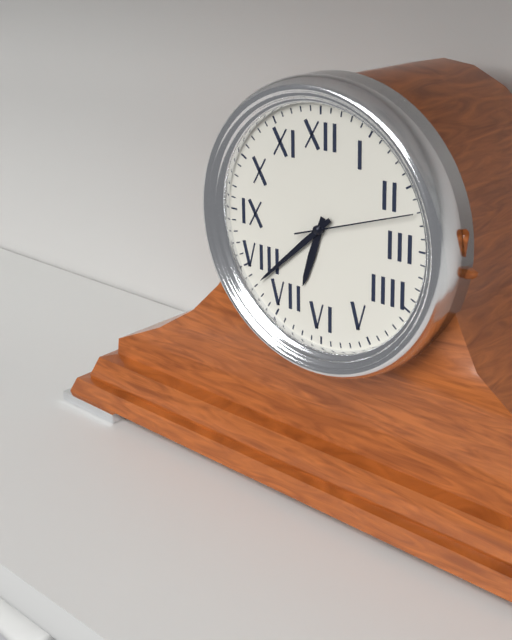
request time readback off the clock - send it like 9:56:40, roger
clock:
6:38:12
